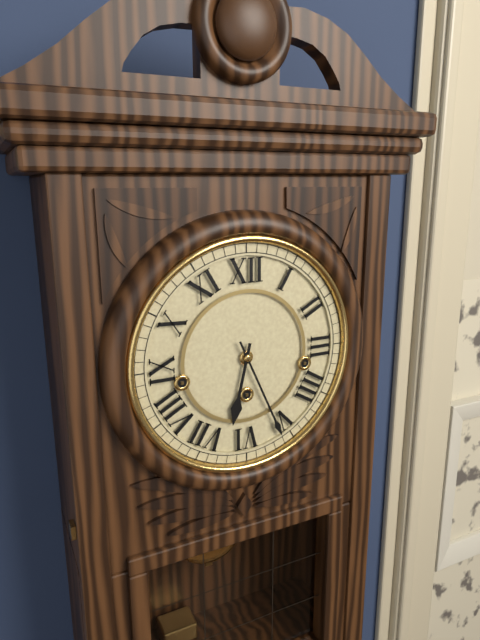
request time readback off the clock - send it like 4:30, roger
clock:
6:26
